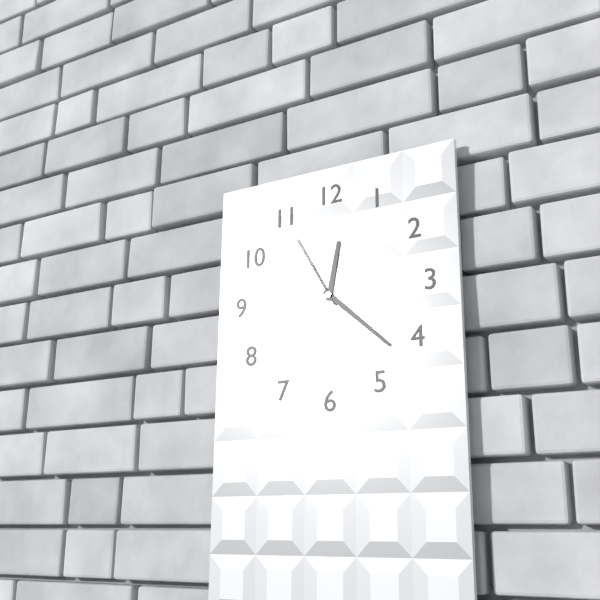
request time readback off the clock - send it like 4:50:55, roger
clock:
12:22:55
